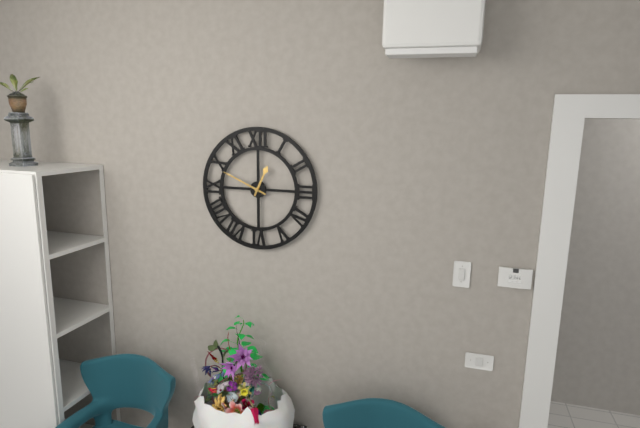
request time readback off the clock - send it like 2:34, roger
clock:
12:49
